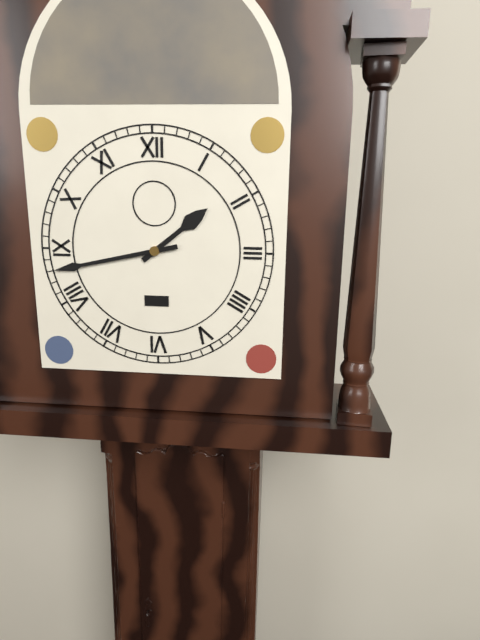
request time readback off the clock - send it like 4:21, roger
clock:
1:43
